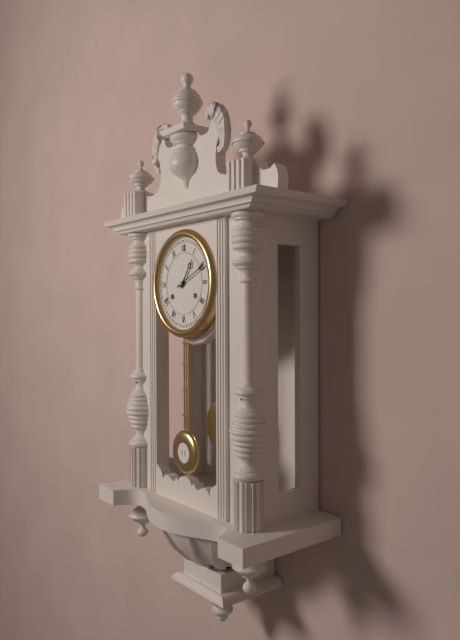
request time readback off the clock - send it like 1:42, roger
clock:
1:11
